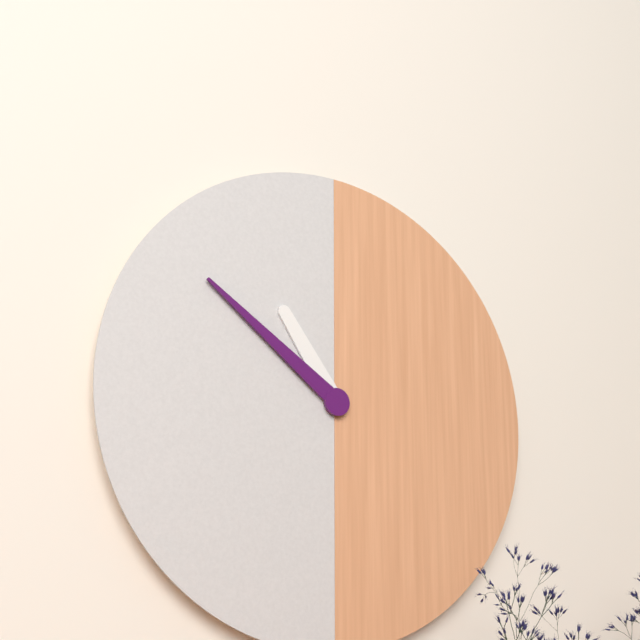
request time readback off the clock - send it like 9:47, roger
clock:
10:51
